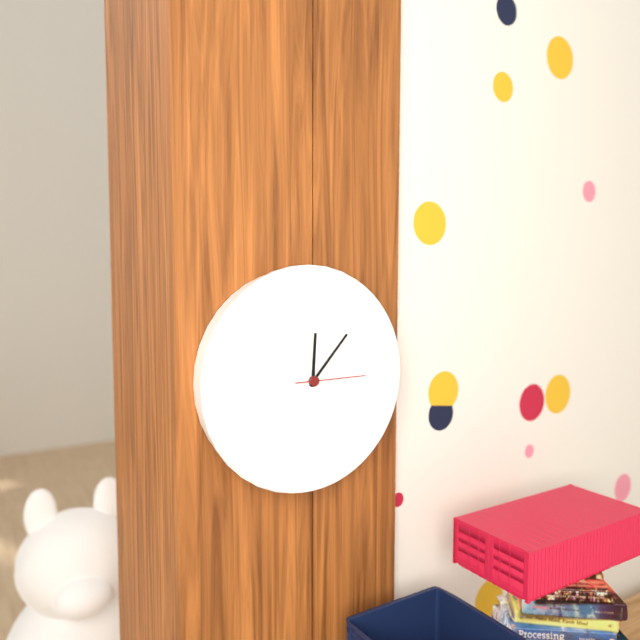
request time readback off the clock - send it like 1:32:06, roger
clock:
12:07:15
